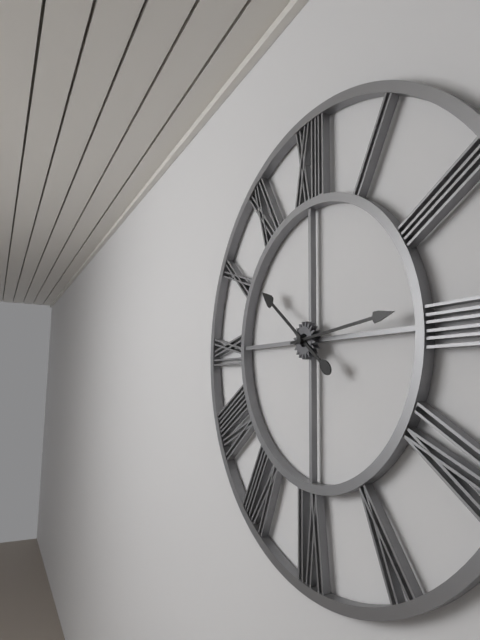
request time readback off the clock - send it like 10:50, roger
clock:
10:14
